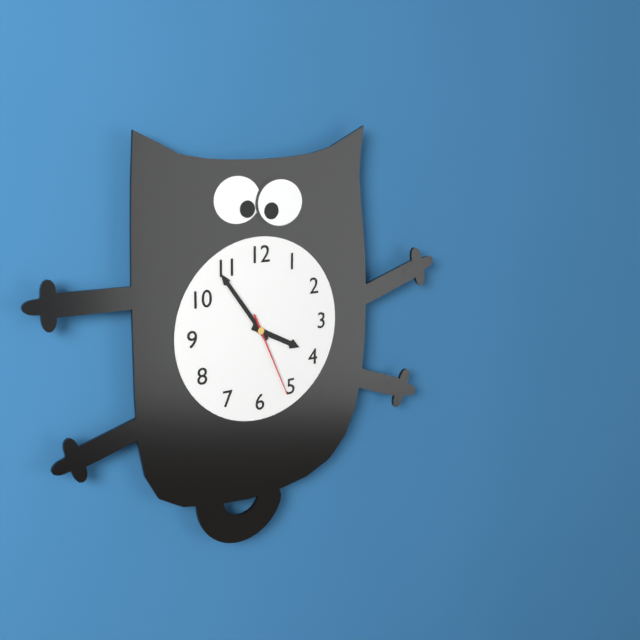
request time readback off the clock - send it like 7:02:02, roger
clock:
3:54:26
